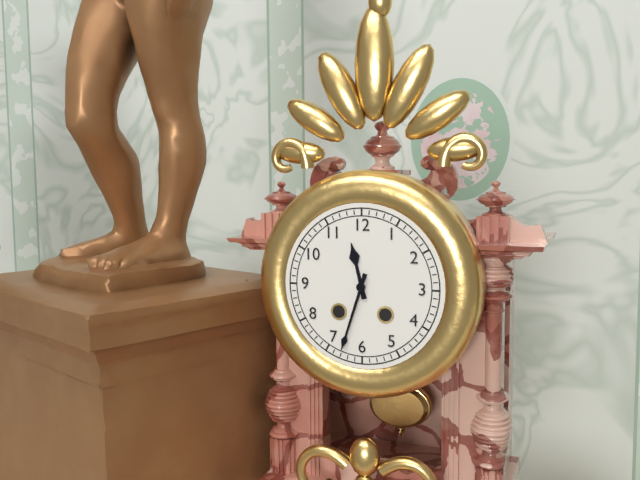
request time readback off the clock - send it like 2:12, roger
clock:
11:33
